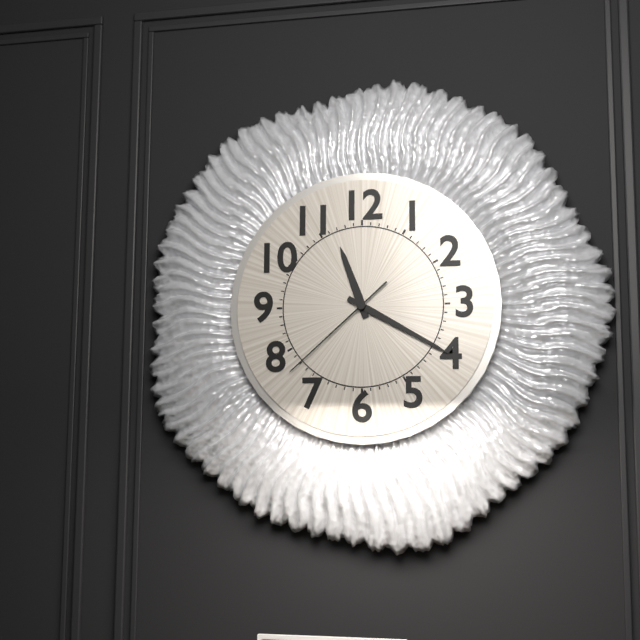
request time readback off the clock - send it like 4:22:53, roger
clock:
11:20:38
